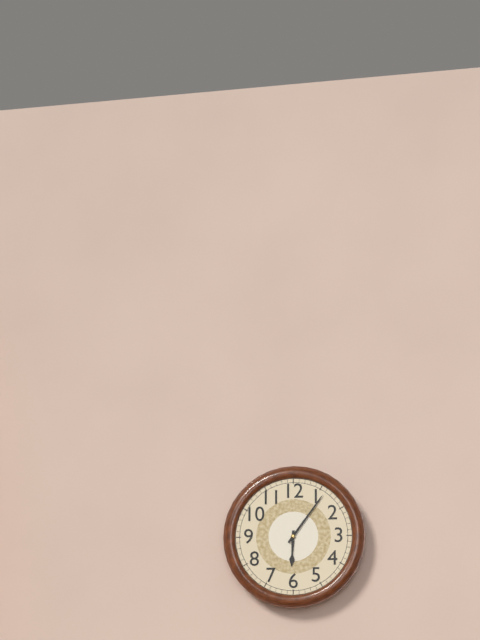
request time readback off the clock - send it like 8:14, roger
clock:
6:06
